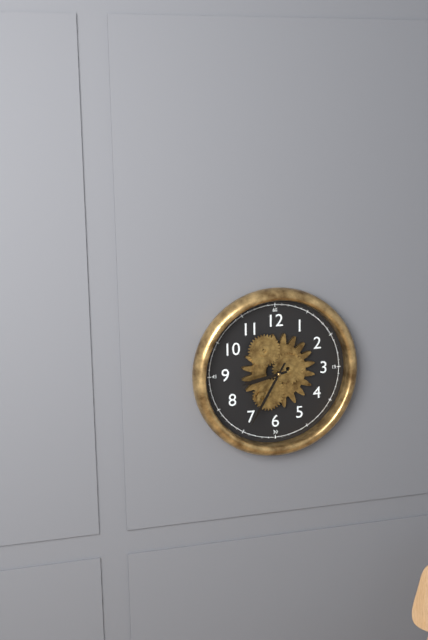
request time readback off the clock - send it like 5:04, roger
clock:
8:35
